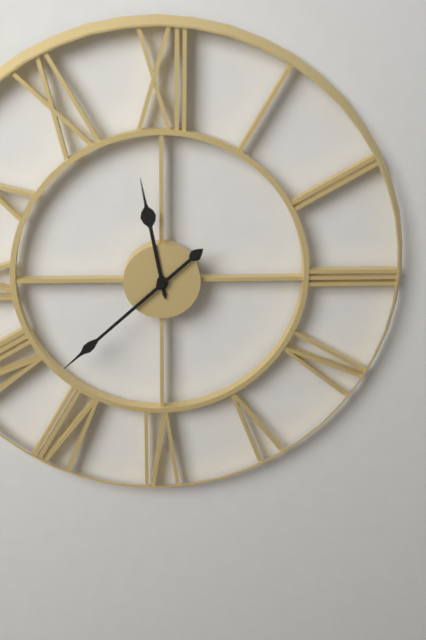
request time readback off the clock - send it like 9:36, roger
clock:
11:38
